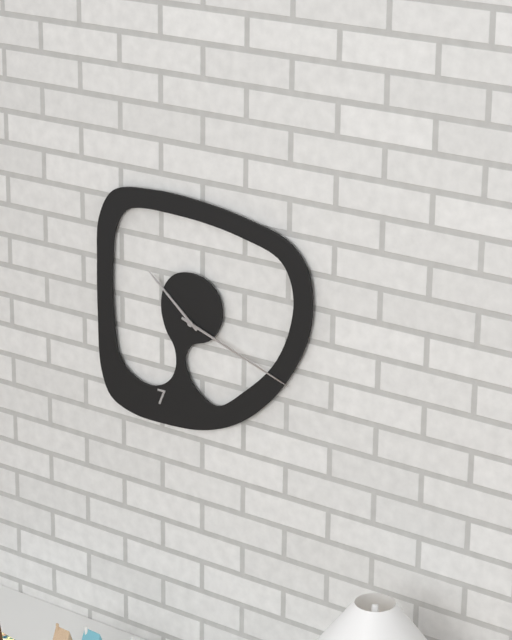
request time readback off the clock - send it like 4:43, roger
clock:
10:18
